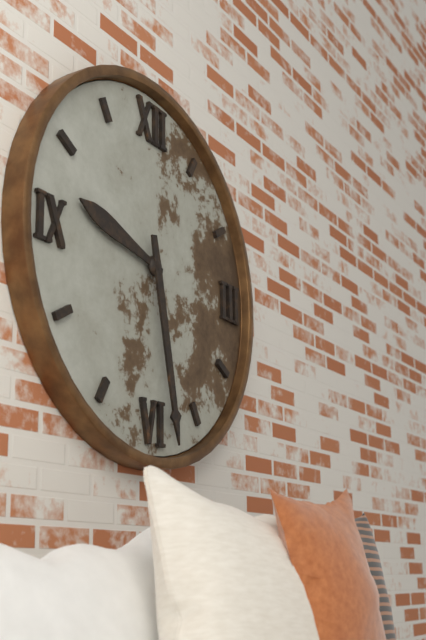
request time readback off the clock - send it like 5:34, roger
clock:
9:28
